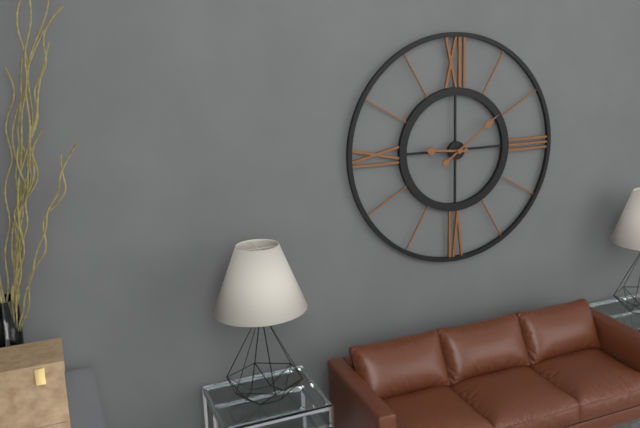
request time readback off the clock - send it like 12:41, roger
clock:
9:09
